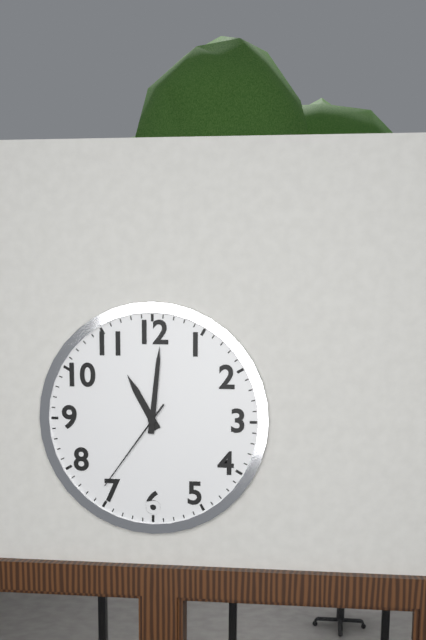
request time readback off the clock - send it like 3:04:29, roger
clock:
11:01:36
